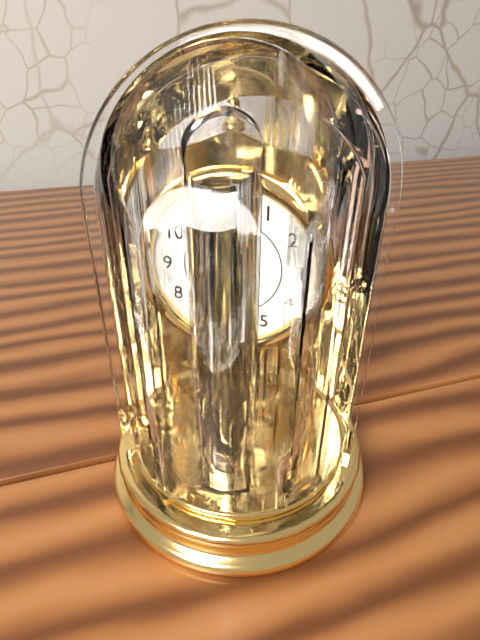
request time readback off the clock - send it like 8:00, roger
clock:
8:26
